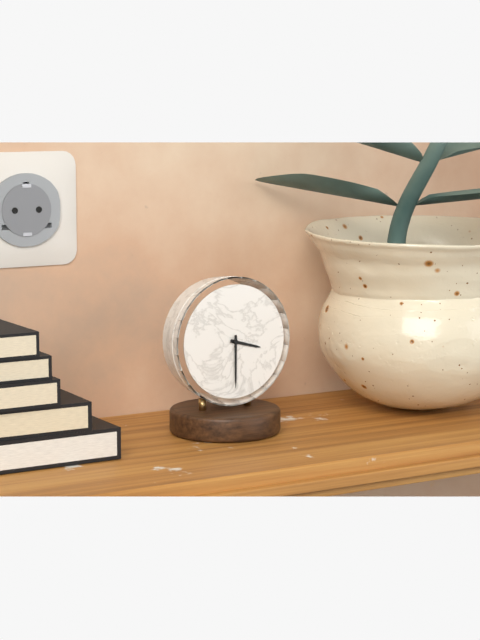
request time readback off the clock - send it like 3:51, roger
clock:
3:30
